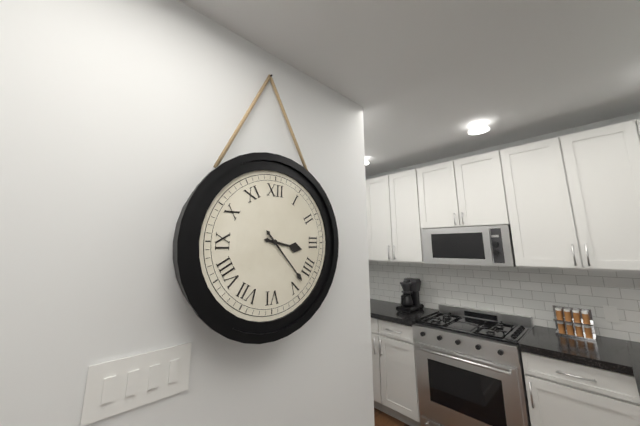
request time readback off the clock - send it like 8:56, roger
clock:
3:23
